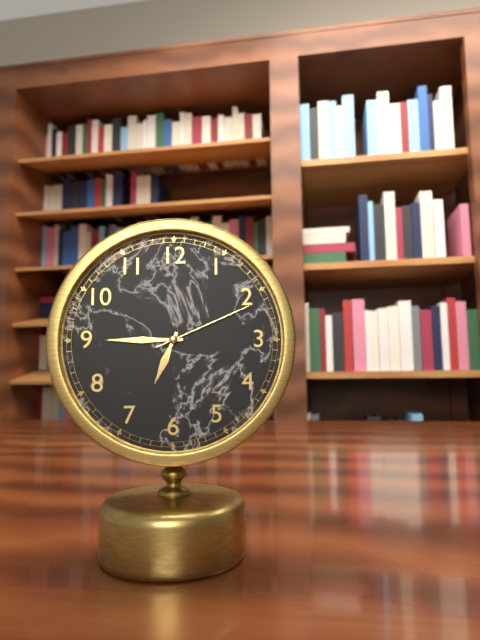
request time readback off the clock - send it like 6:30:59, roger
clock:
6:45:11
